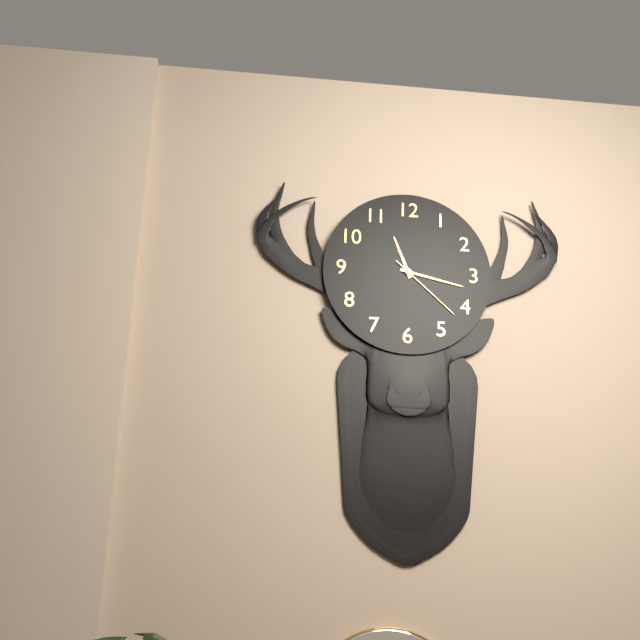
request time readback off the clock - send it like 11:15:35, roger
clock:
11:17:22
